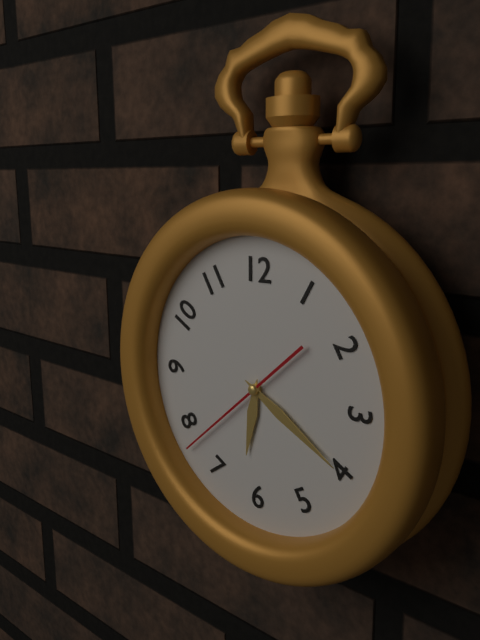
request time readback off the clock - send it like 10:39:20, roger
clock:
6:20:38
